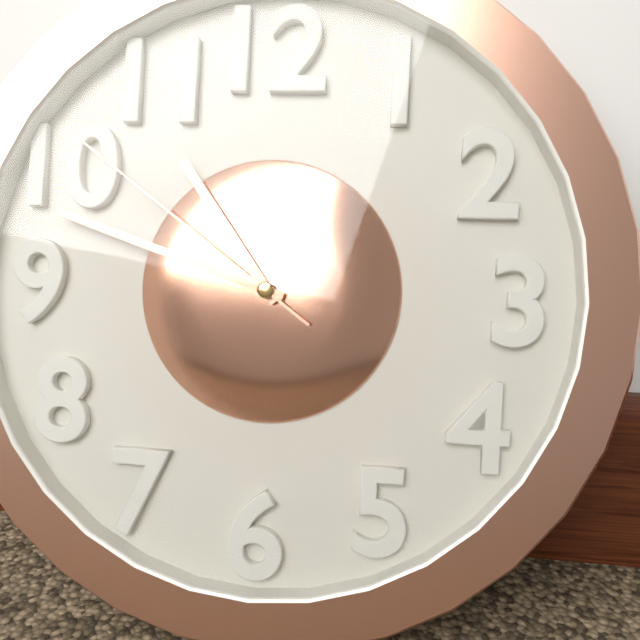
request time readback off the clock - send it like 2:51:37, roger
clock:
10:48:51
